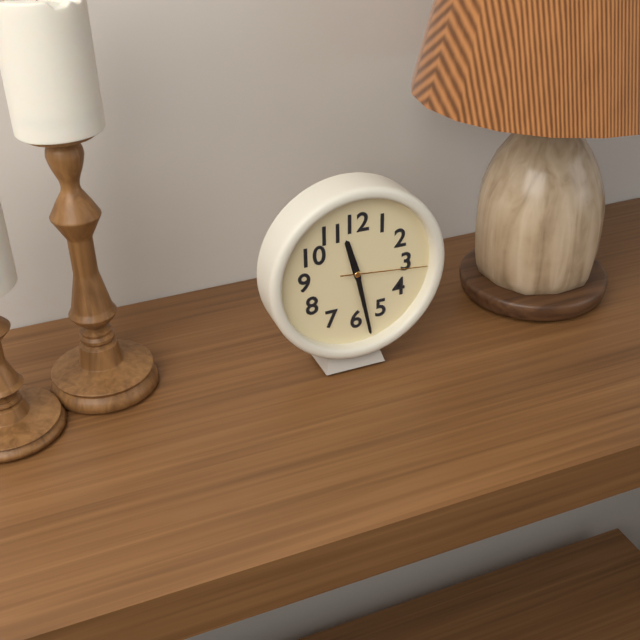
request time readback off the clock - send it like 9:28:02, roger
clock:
11:28:16
